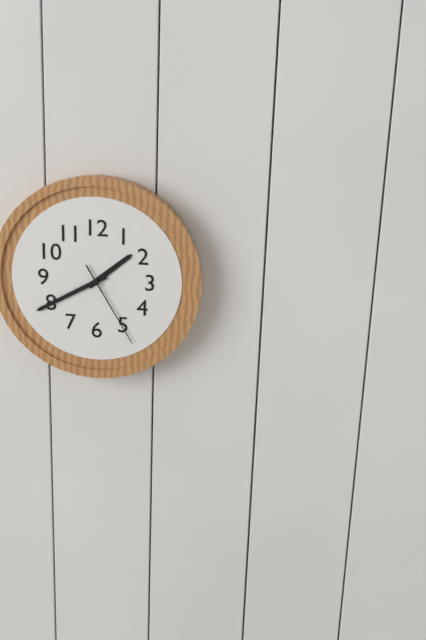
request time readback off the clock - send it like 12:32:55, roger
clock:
1:40:25
